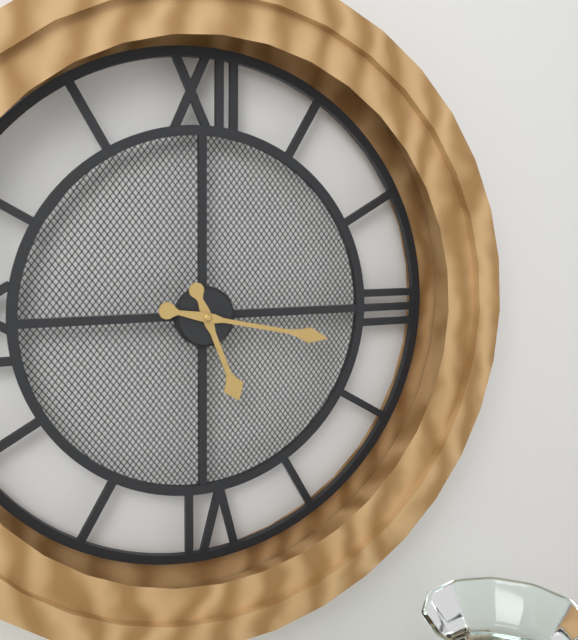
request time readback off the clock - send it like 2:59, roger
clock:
5:17
